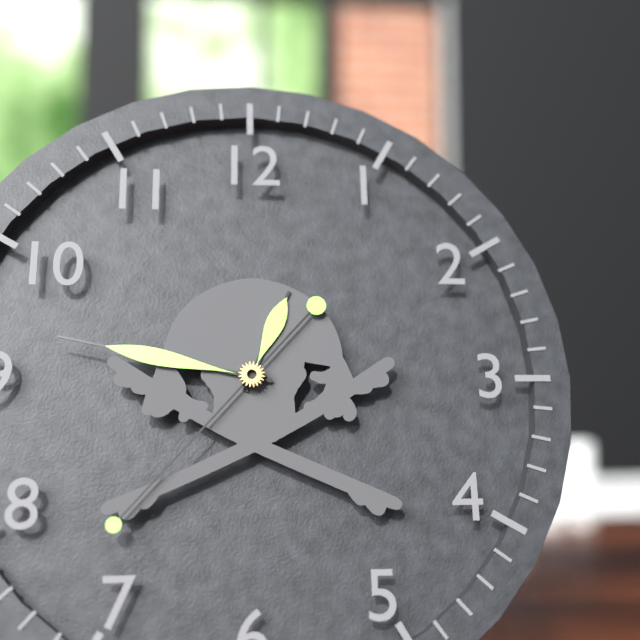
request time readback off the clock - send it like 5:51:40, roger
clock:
12:47:37
